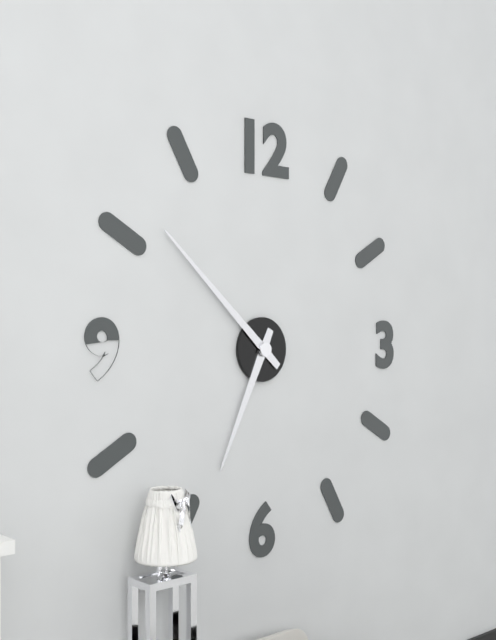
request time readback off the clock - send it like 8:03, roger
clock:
6:52
